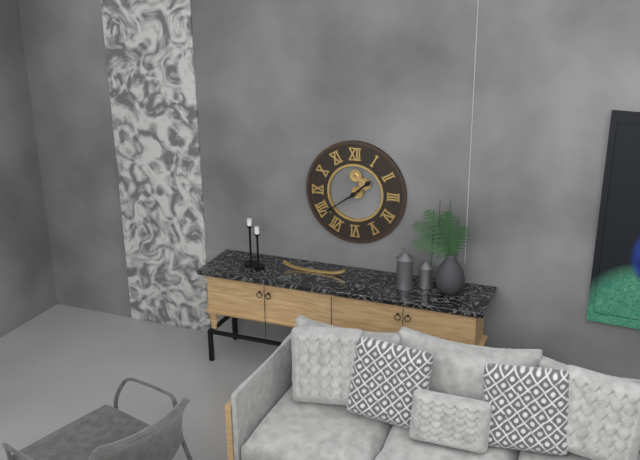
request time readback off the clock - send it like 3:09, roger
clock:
1:39
